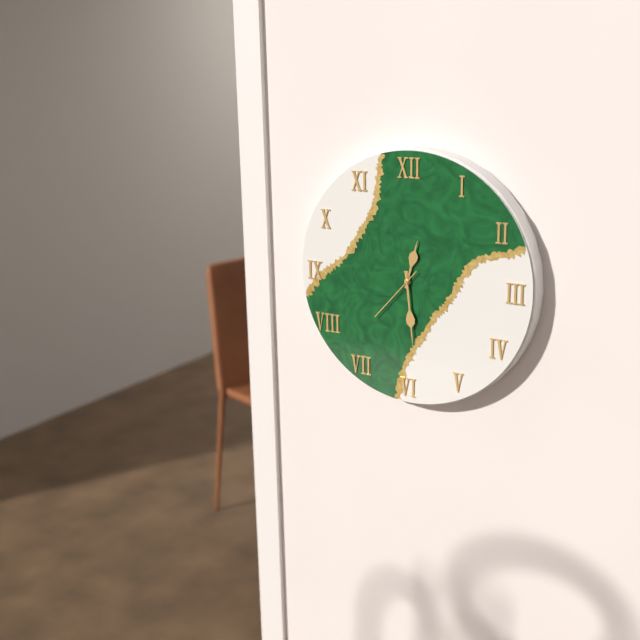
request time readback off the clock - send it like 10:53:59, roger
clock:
12:29:37
